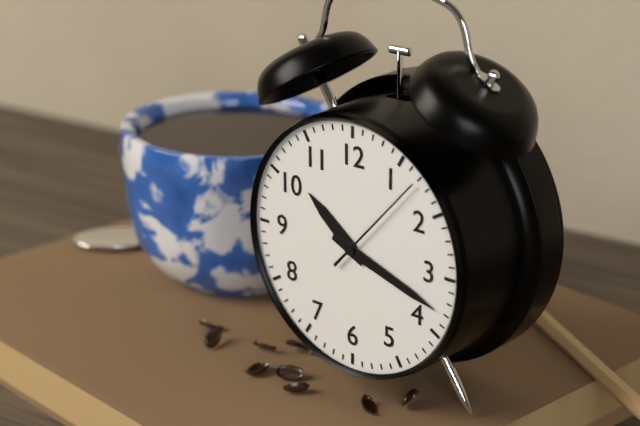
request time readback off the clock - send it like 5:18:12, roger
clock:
10:18:07
